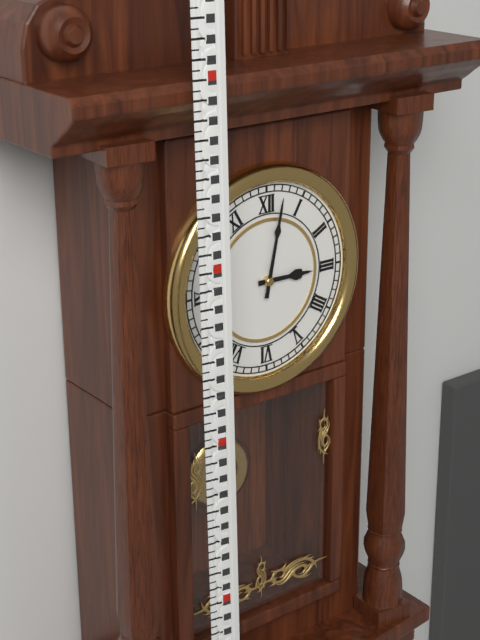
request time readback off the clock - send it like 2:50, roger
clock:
3:02
